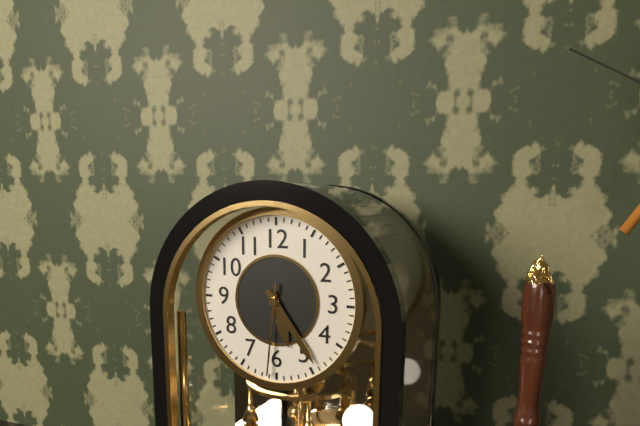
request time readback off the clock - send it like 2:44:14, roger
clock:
5:24:31
